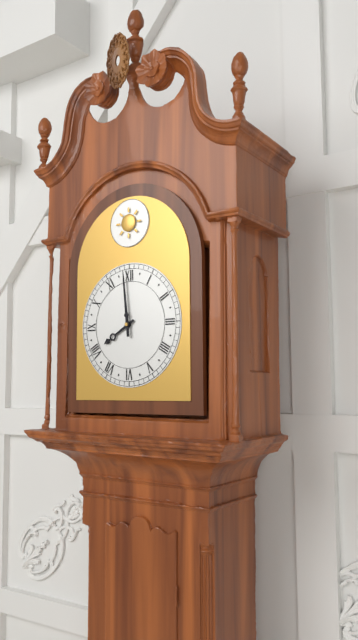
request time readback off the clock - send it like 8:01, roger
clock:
7:59
